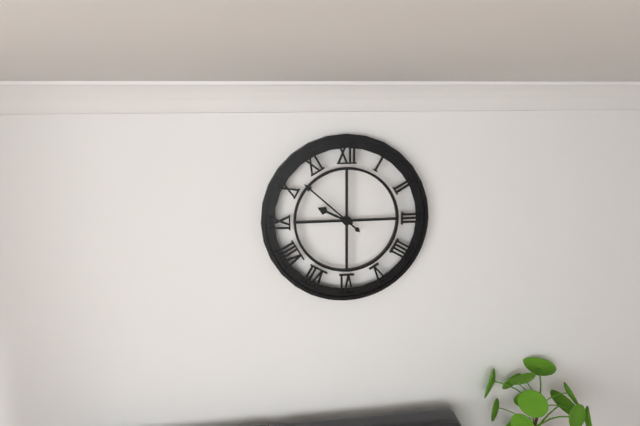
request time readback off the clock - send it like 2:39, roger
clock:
9:52
